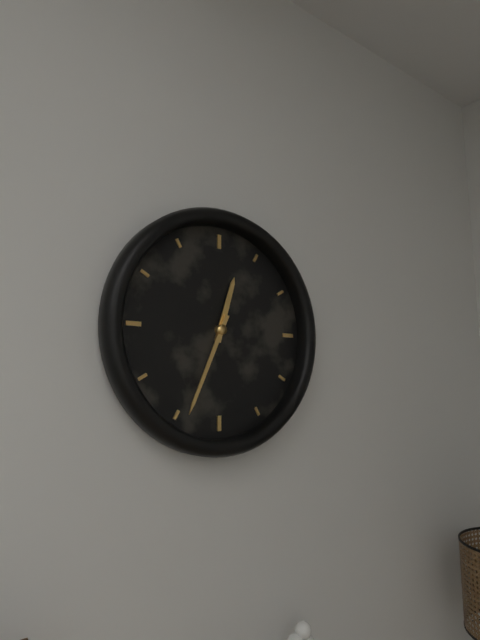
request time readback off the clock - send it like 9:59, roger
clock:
12:34
